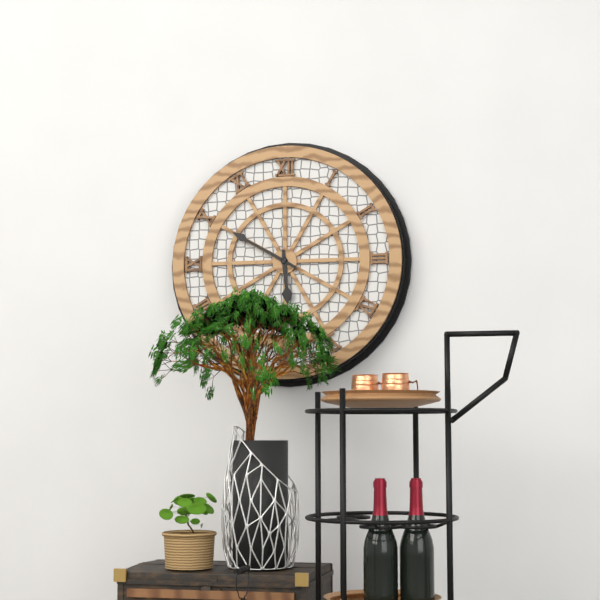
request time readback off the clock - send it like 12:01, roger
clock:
5:50
